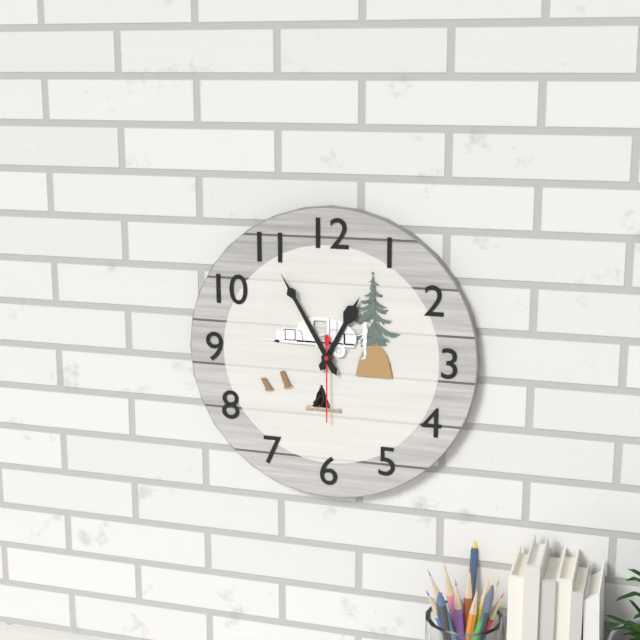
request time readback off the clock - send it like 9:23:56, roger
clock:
12:55:30
